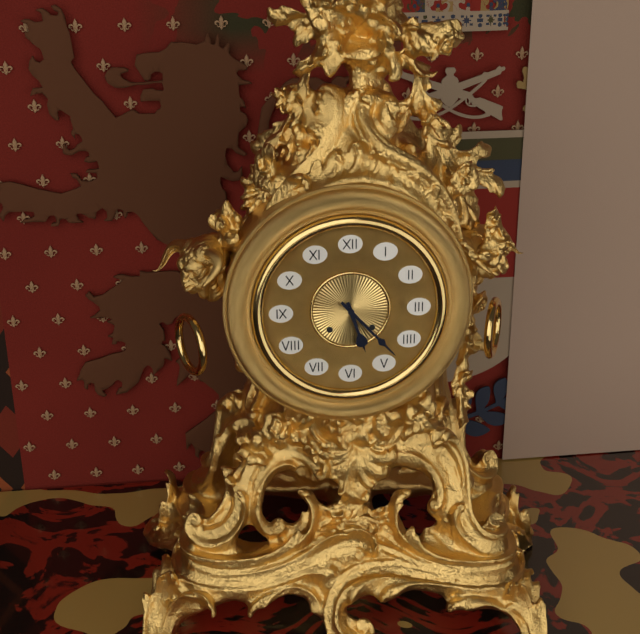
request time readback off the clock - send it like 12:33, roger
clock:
5:23
